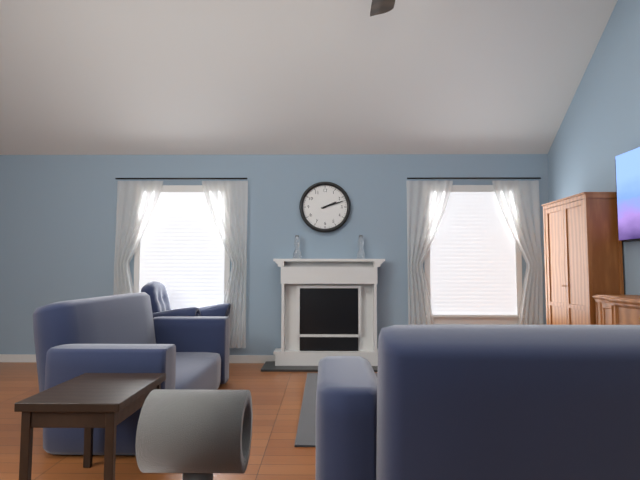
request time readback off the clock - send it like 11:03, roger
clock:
2:12
